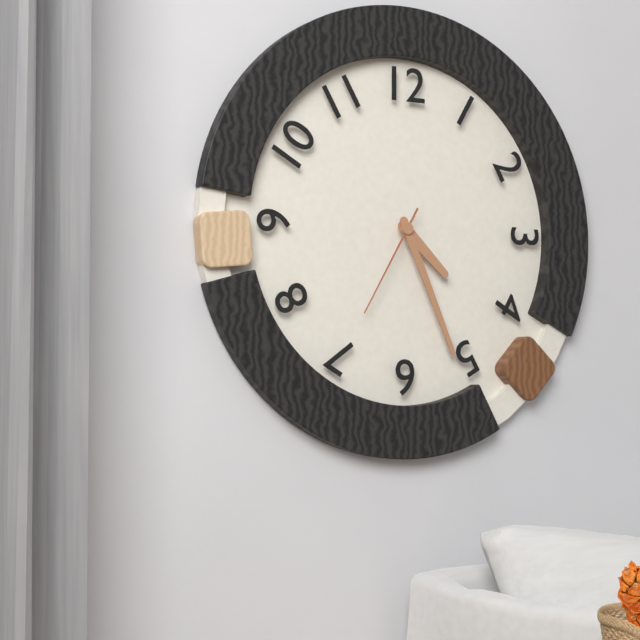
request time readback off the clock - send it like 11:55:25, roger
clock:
4:26:35
